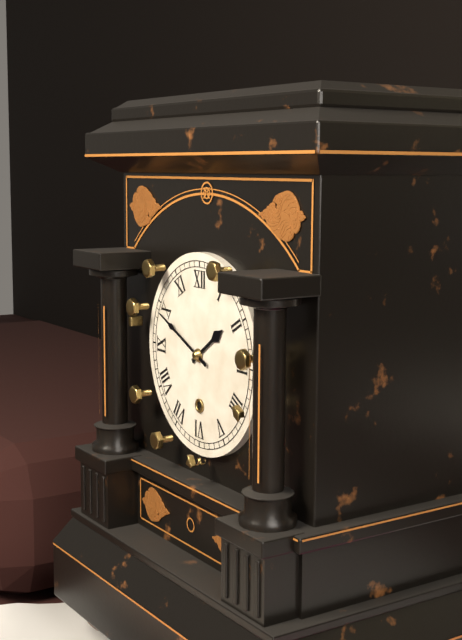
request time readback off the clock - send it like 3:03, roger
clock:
1:49
